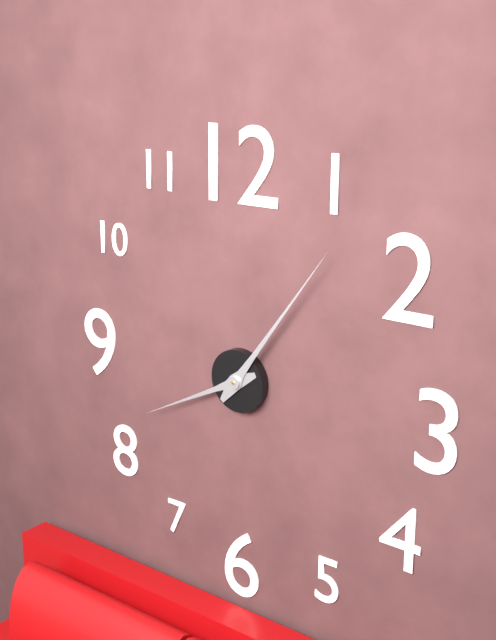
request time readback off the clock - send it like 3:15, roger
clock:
8:06
